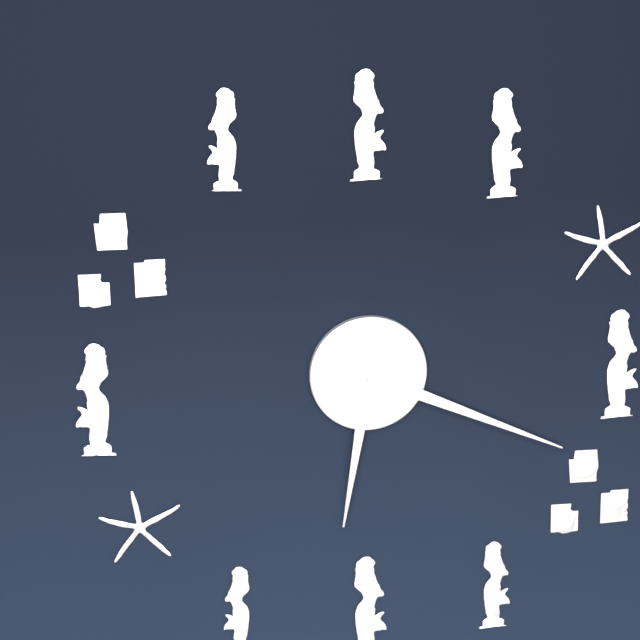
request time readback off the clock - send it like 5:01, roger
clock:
6:19
